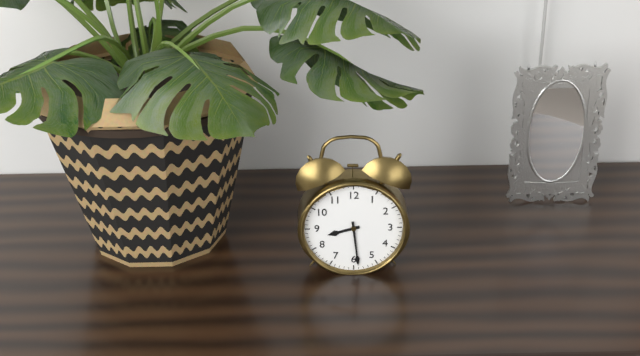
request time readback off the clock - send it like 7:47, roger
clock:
8:29
